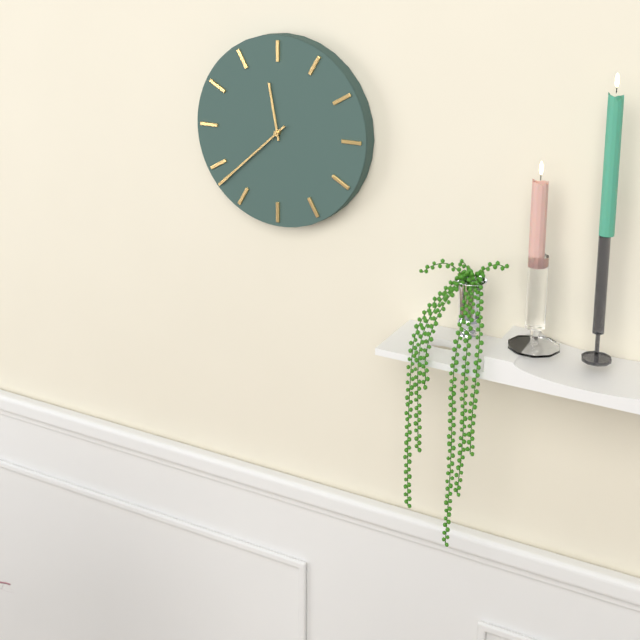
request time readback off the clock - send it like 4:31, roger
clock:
11:38
